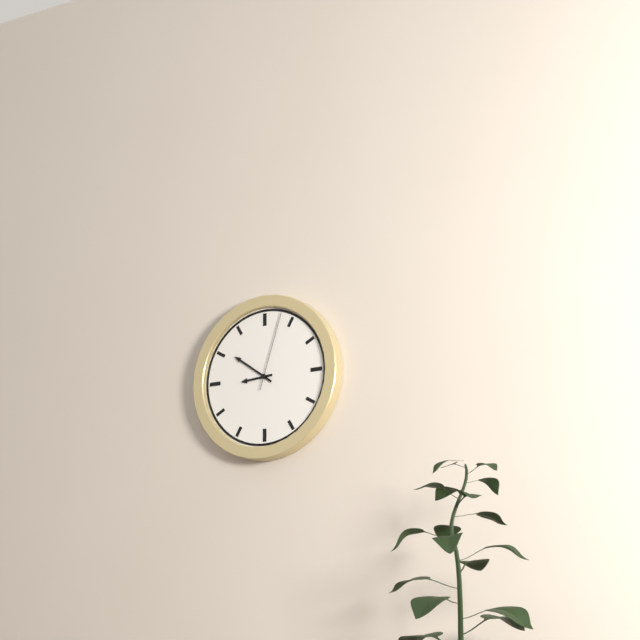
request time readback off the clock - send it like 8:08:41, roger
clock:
8:51:03
